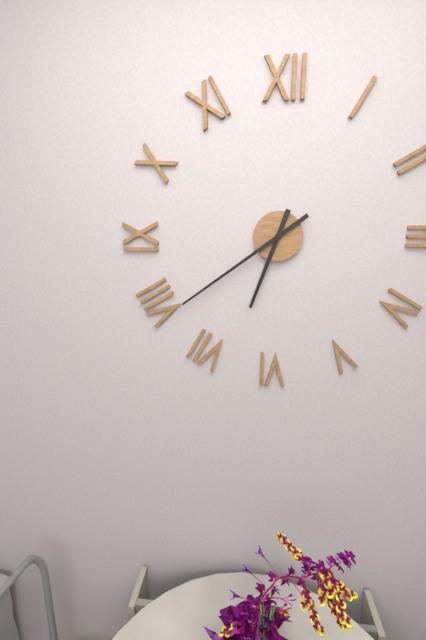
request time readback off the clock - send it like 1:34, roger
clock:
6:39
